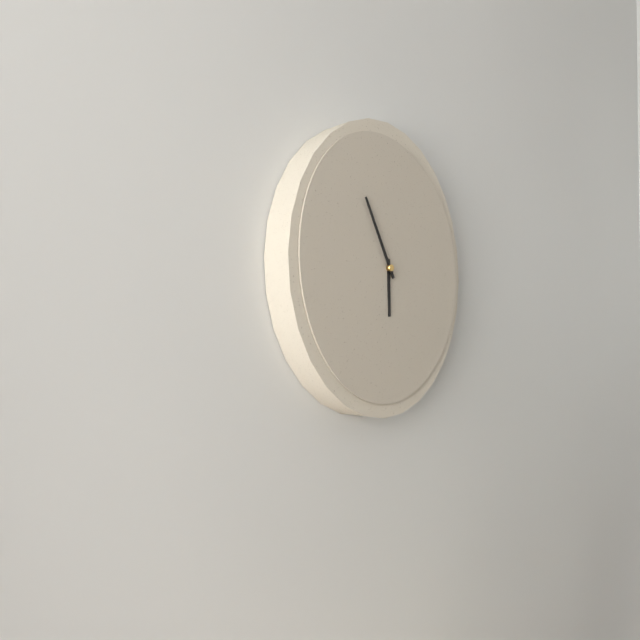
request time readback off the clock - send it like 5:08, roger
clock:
5:55
